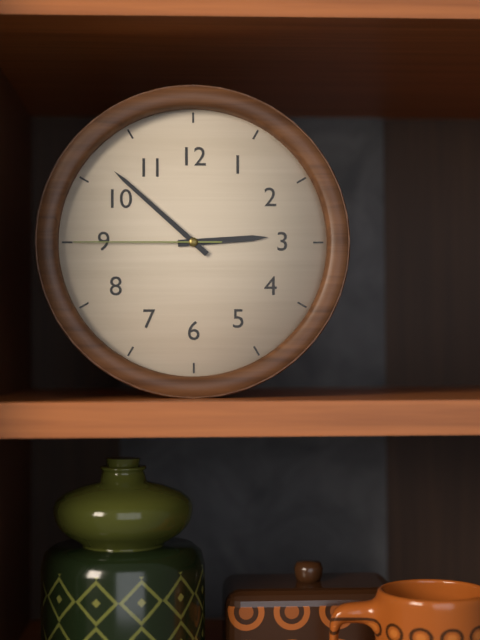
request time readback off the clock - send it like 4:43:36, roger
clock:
2:52:45
